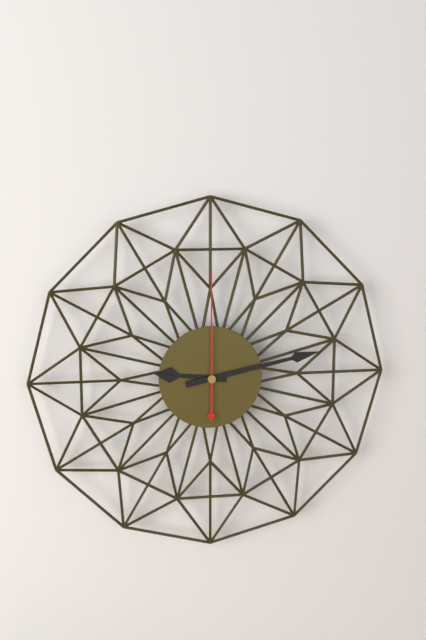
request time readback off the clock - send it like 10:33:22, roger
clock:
9:13:00
